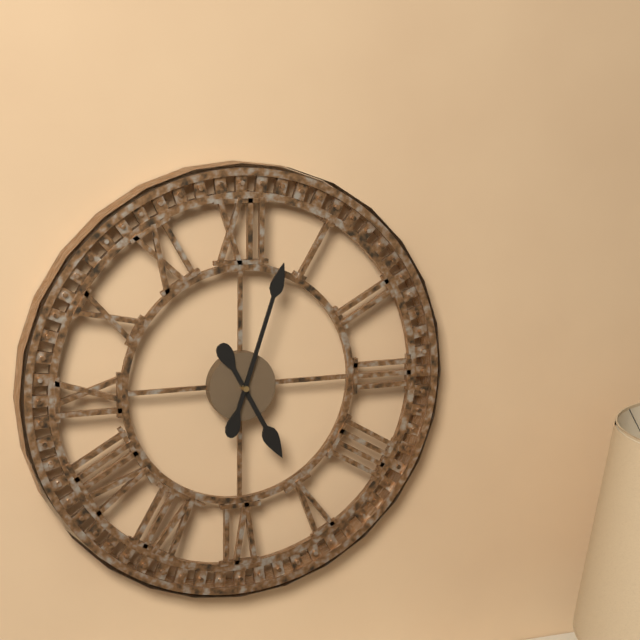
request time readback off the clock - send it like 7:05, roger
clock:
5:03
